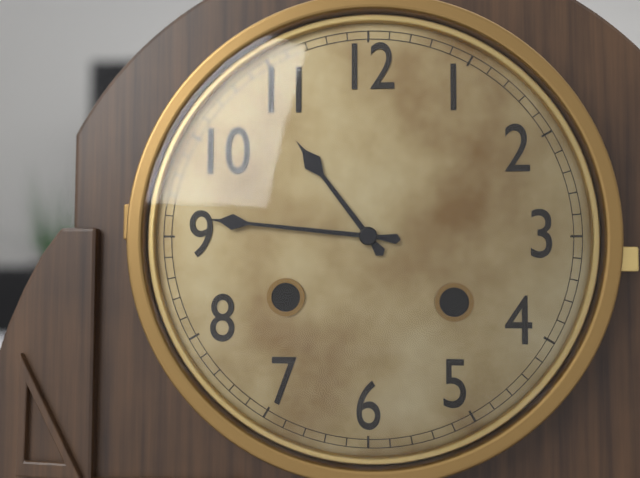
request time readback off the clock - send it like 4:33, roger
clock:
10:46
